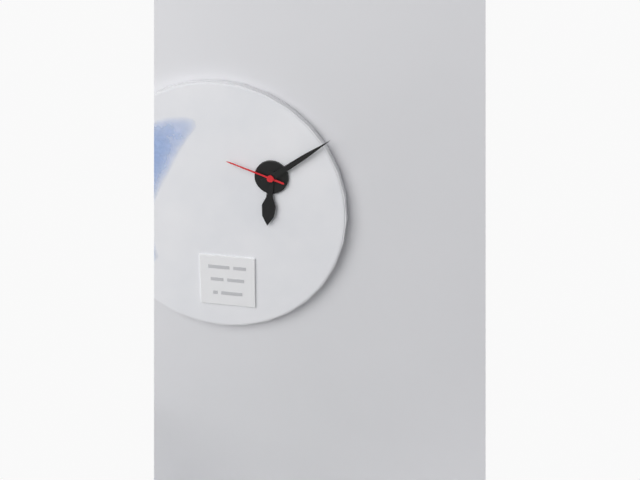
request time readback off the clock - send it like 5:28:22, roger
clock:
6:09:48
